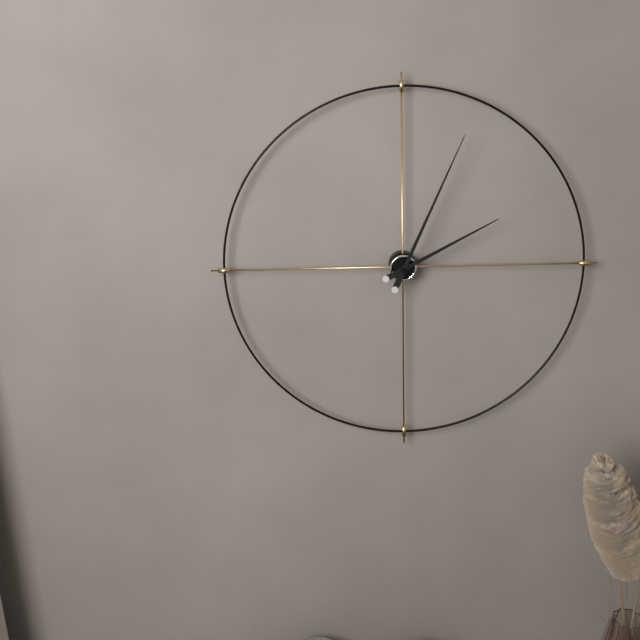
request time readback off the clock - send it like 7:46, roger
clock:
2:04
